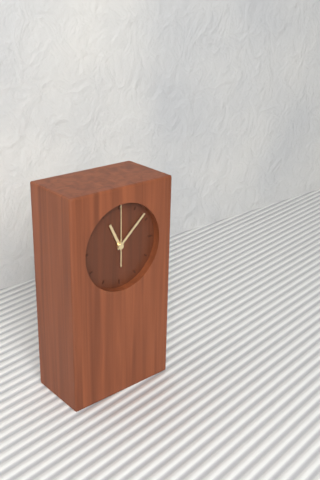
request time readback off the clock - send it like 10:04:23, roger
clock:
11:08:00
